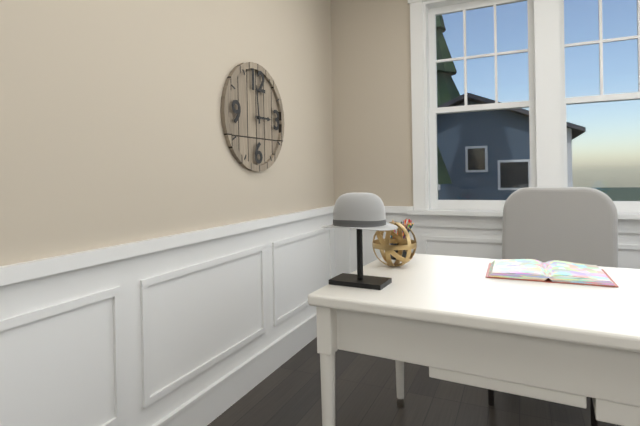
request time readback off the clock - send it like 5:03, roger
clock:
2:59
